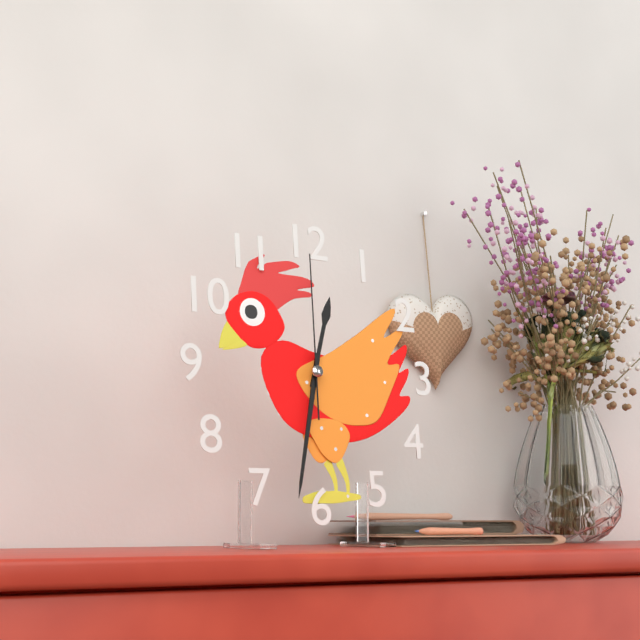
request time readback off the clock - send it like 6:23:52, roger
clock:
12:32:00
